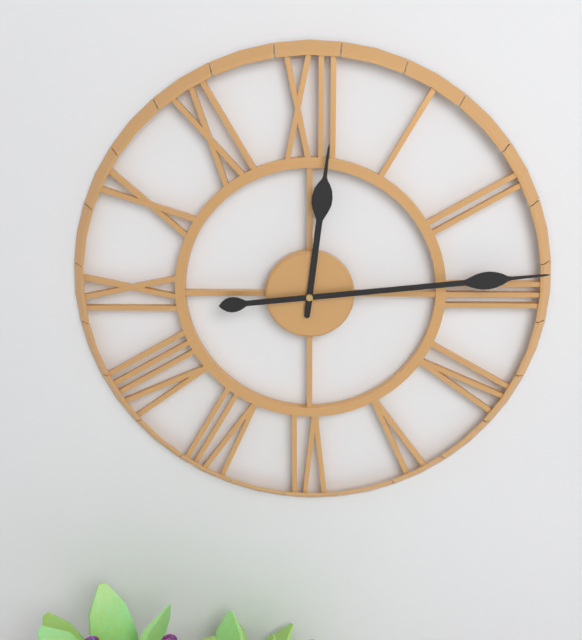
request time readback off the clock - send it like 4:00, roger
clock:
12:14
